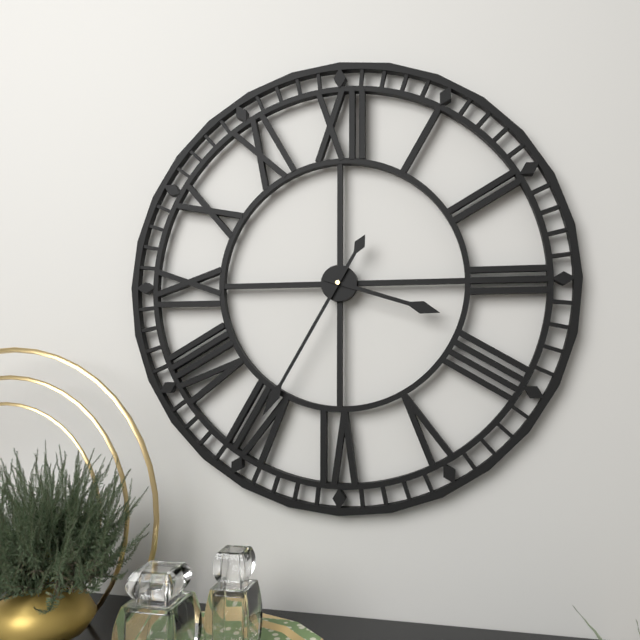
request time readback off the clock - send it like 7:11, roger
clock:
3:35
